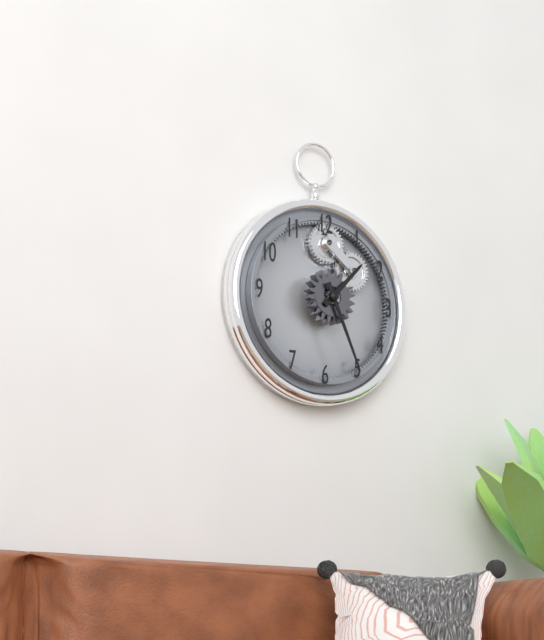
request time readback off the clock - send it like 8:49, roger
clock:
1:26
